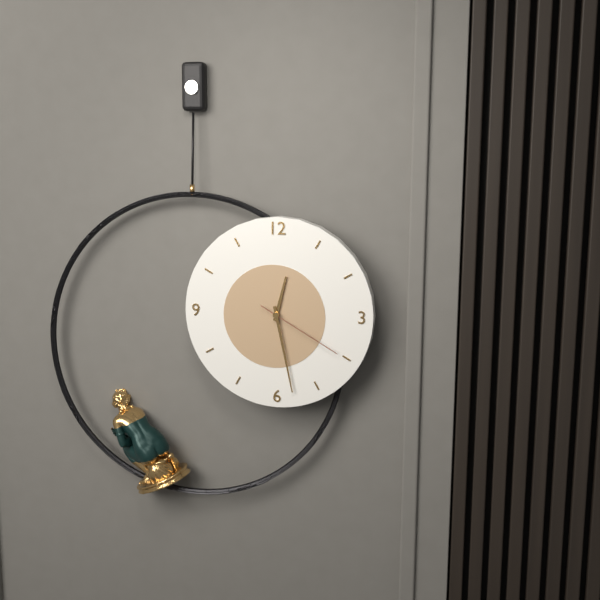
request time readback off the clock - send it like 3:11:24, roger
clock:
12:28:20
